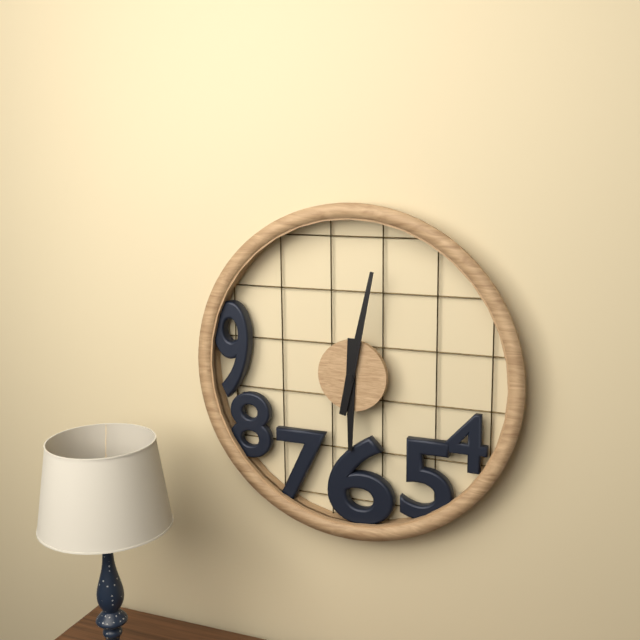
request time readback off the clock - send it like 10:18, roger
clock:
6:02
